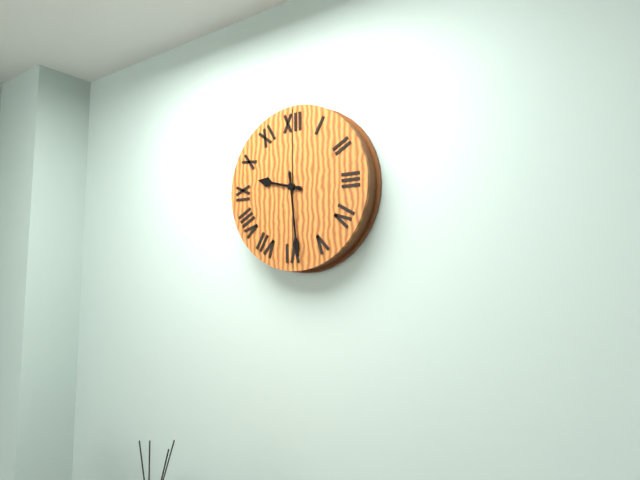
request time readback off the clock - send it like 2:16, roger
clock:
9:29
